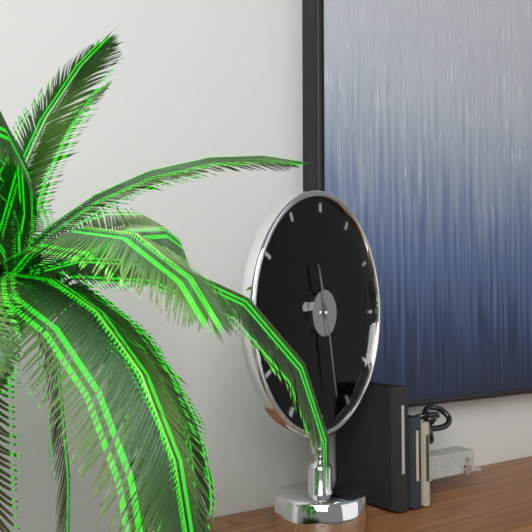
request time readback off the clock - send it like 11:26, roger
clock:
11:28
